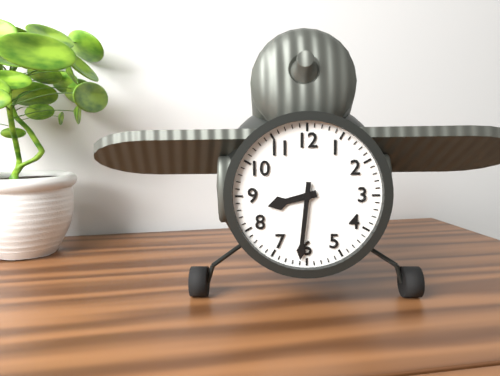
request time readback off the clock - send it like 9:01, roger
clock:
8:31
